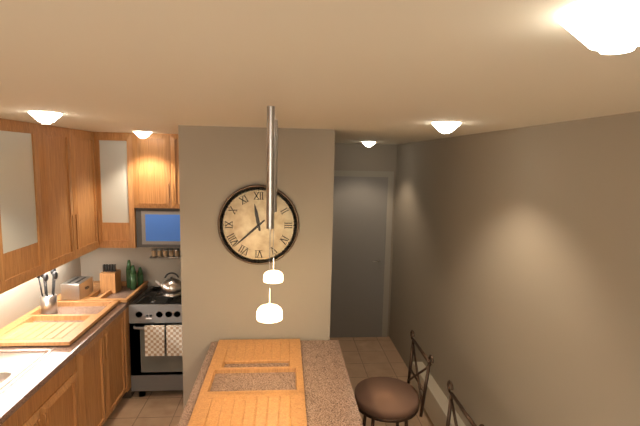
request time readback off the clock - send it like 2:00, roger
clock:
11:38
